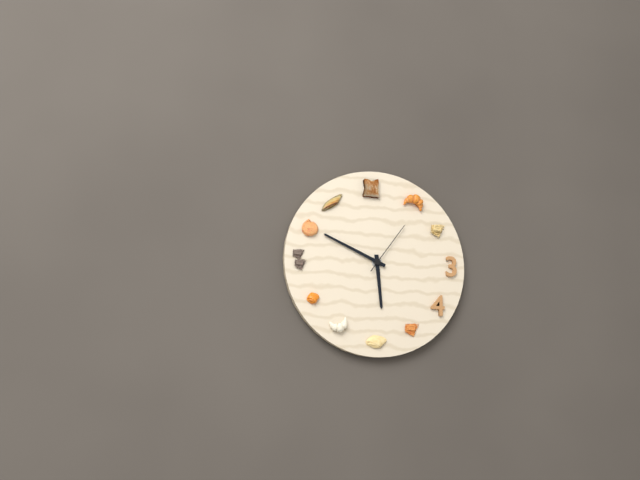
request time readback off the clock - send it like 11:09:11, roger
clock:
5:49:06
